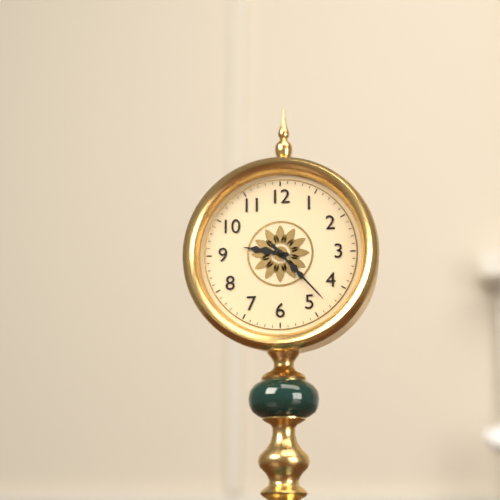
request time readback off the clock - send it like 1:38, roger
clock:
9:23
